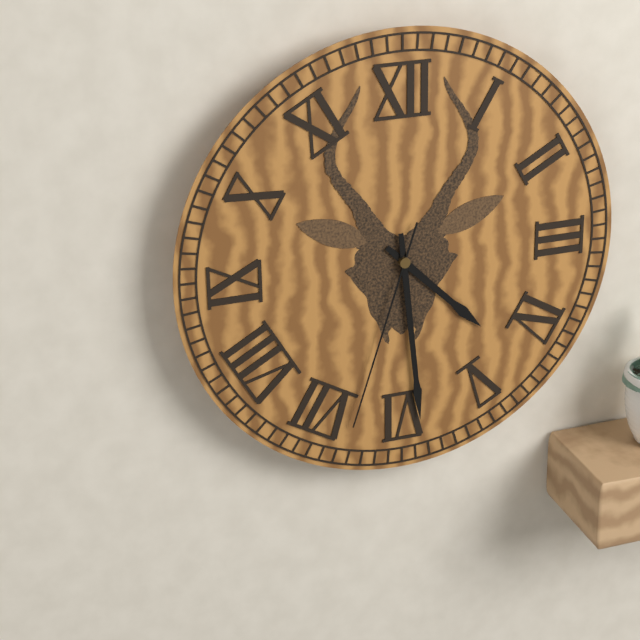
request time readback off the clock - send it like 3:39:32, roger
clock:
4:29:33
